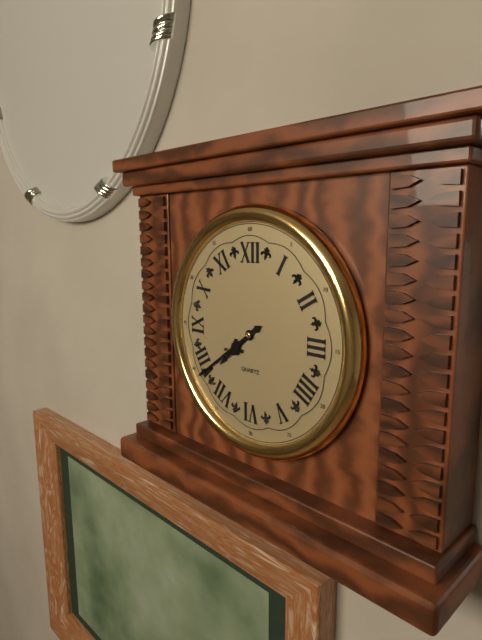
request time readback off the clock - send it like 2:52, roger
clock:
7:39
